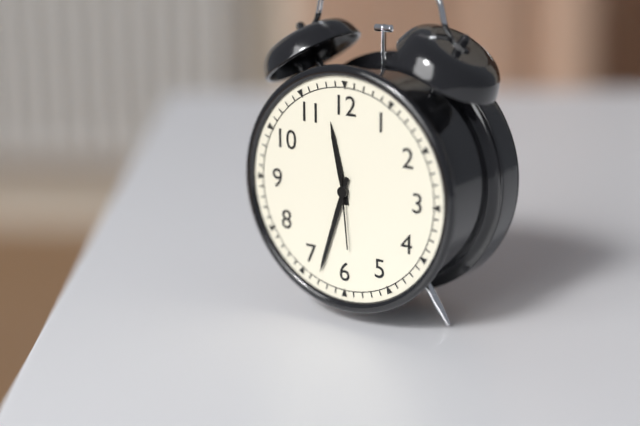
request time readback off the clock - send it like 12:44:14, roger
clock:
11:33:29
